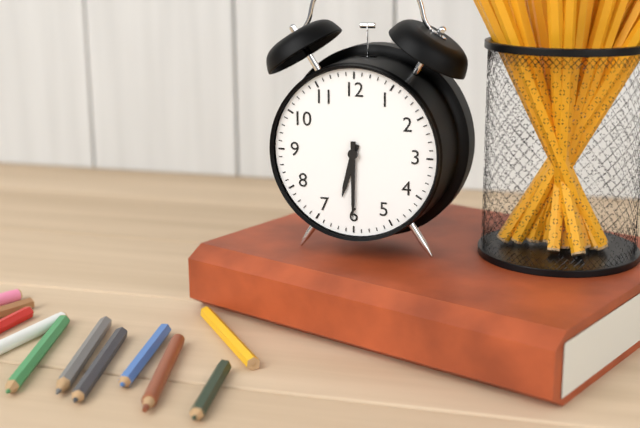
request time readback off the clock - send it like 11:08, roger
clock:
6:30
